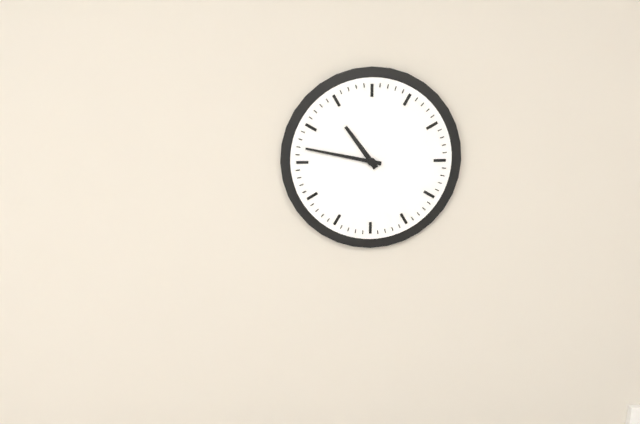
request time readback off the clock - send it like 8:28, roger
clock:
10:47
